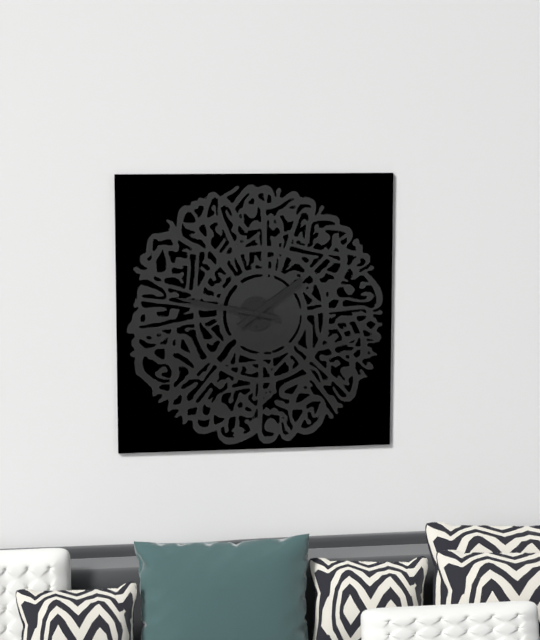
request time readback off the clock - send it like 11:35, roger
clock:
1:47
